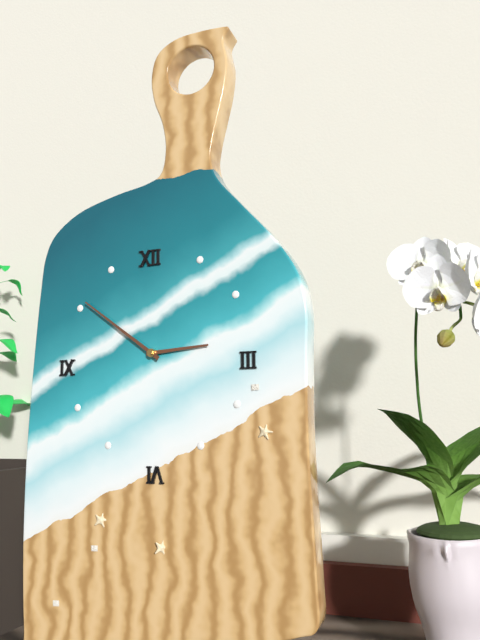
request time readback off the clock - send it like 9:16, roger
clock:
2:51
